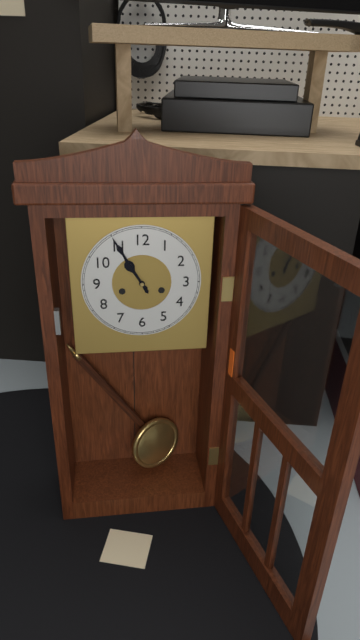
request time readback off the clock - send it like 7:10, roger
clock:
10:55
